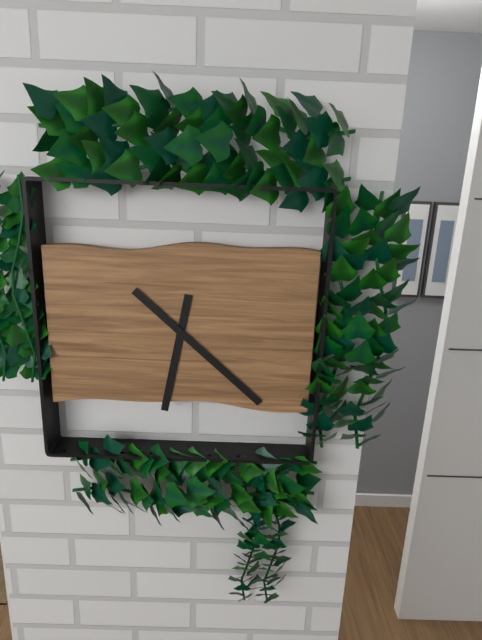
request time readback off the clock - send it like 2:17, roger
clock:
6:22
